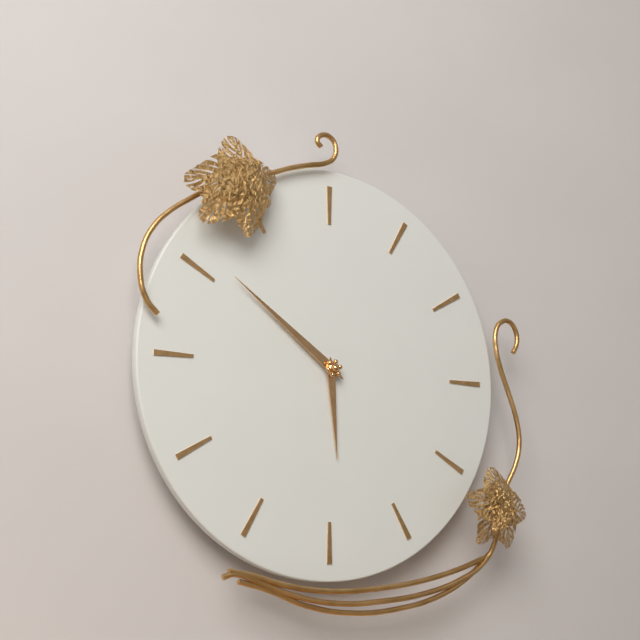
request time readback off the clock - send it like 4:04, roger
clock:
5:51
